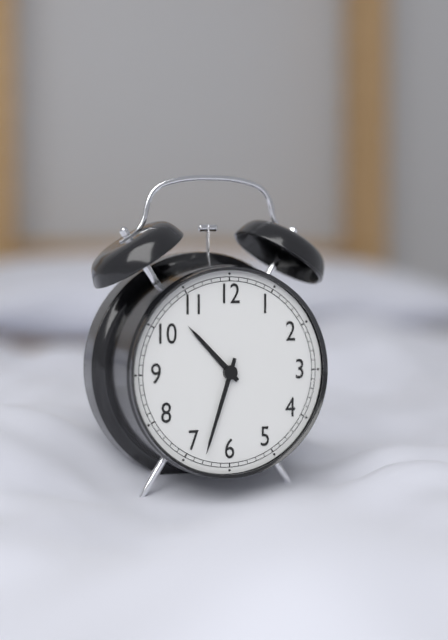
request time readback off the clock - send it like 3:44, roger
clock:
10:33
